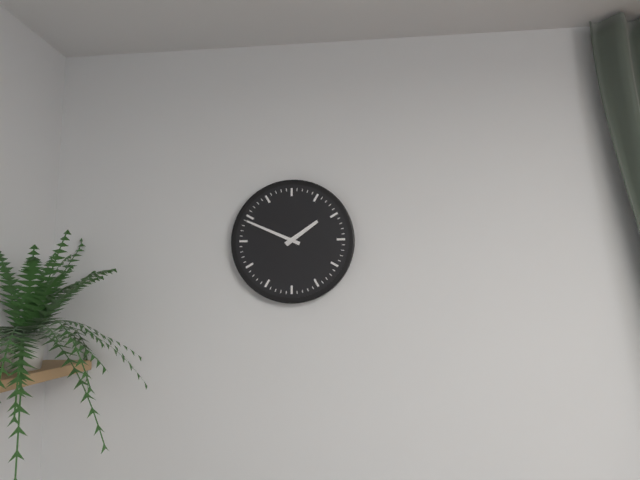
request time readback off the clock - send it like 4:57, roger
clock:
1:49
